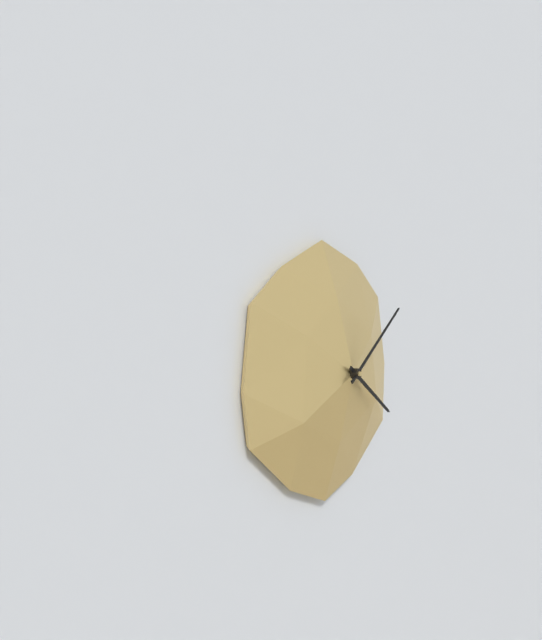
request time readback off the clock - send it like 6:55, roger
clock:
4:09
